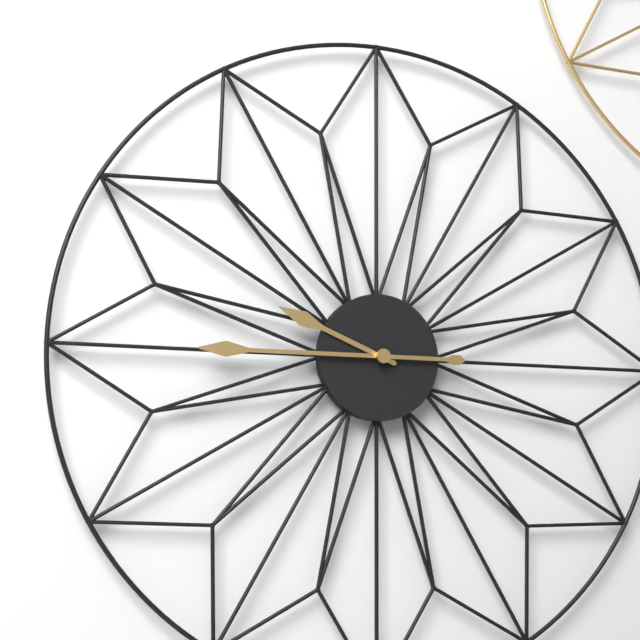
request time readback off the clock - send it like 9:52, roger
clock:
9:45
